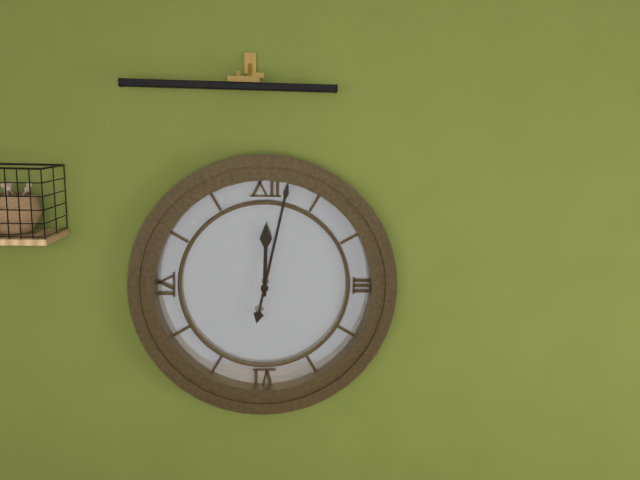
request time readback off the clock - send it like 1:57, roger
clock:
12:02
